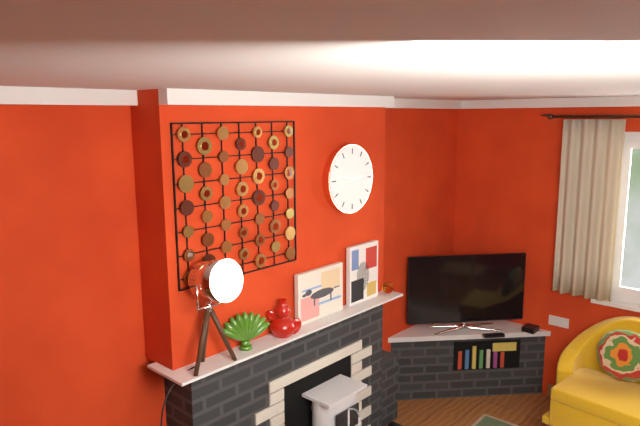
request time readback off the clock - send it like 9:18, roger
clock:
2:47
